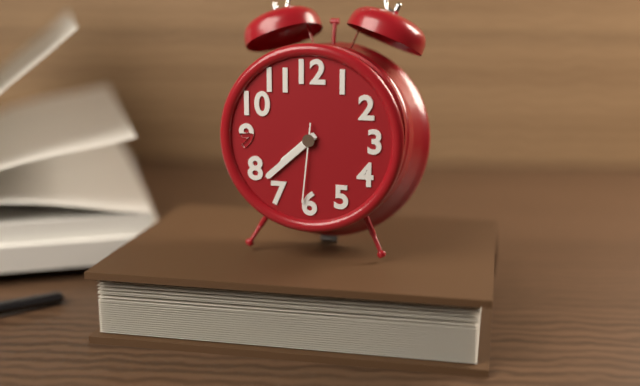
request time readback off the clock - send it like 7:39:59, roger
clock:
7:38:31
